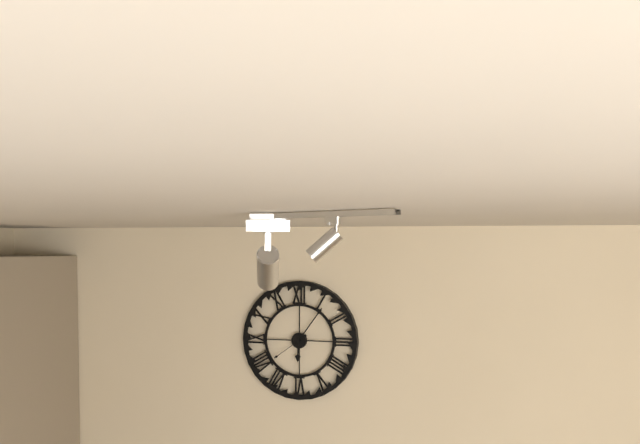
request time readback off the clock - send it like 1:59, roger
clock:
6:06
